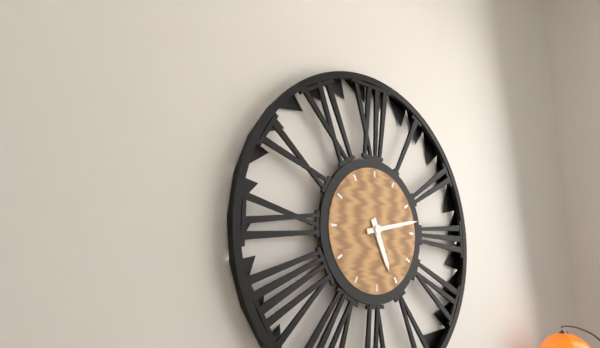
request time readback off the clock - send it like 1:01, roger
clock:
5:13
